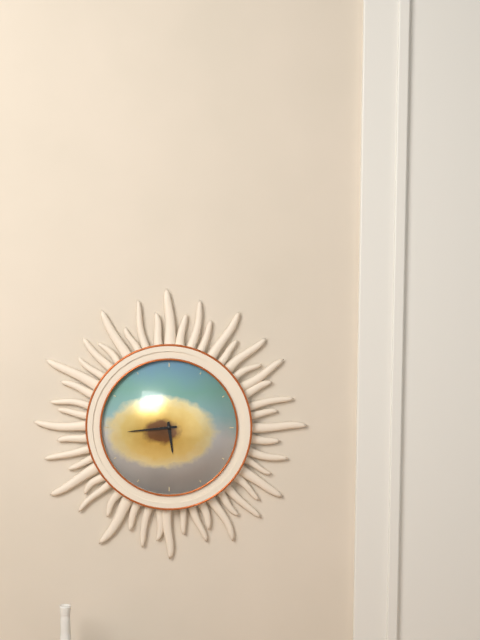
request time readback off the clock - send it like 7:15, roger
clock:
5:44
